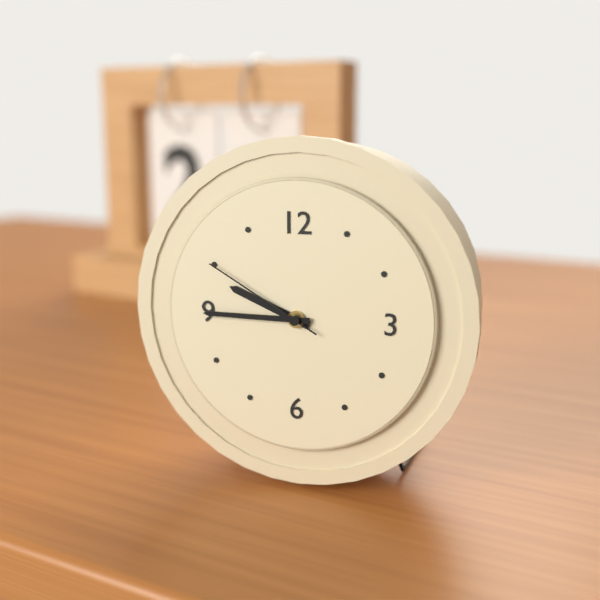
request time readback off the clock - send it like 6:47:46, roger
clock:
9:45:50
